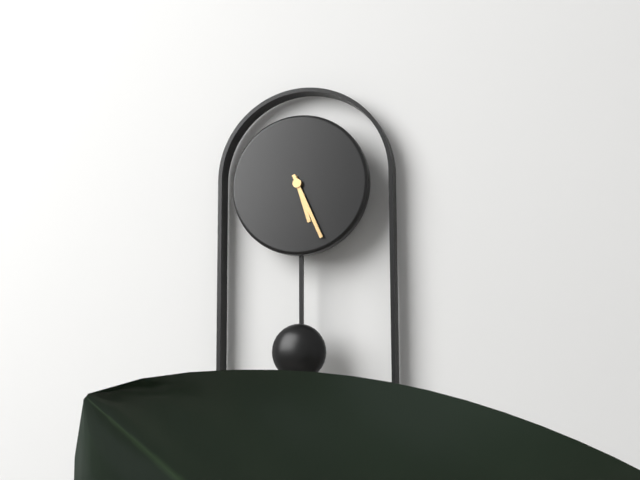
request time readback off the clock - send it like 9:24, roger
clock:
5:26
